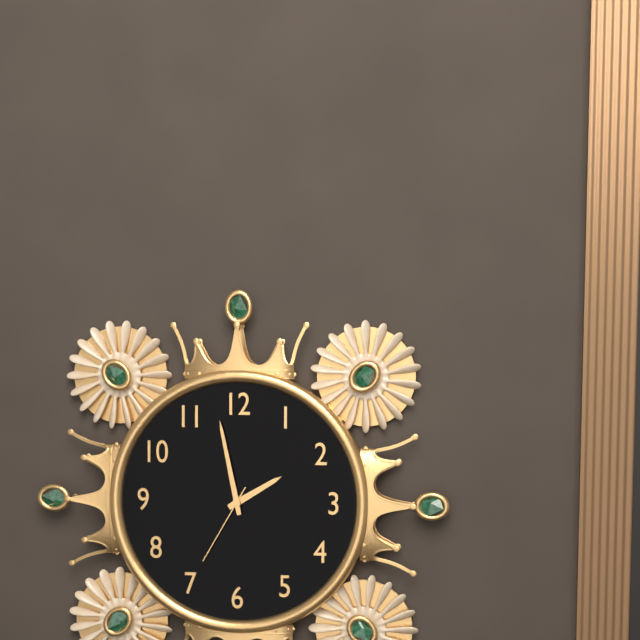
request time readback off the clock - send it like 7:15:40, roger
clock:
1:58:35
